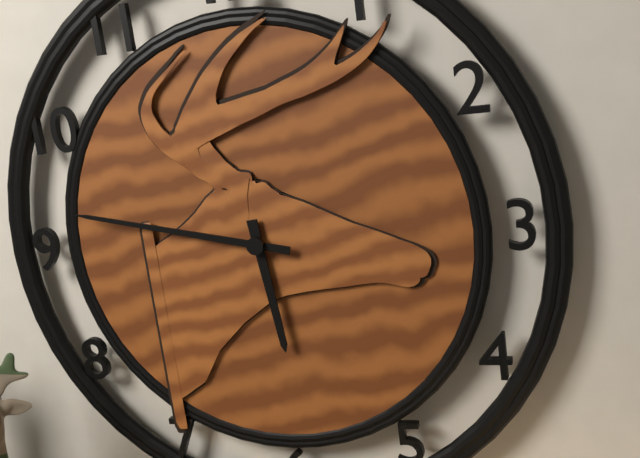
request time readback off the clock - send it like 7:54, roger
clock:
5:47
